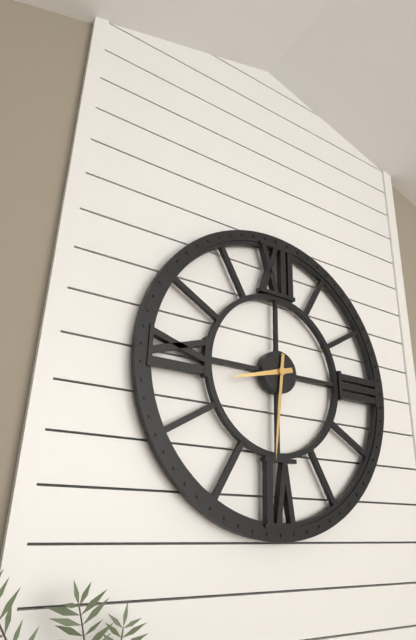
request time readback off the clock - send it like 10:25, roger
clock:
8:31
